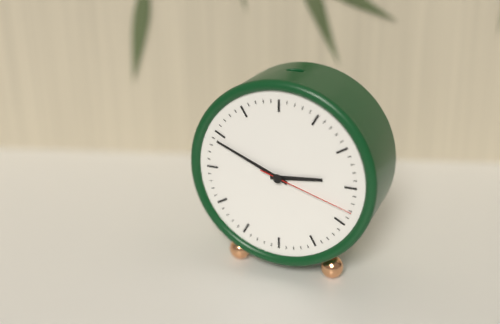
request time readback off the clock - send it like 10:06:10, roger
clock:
2:49:18
